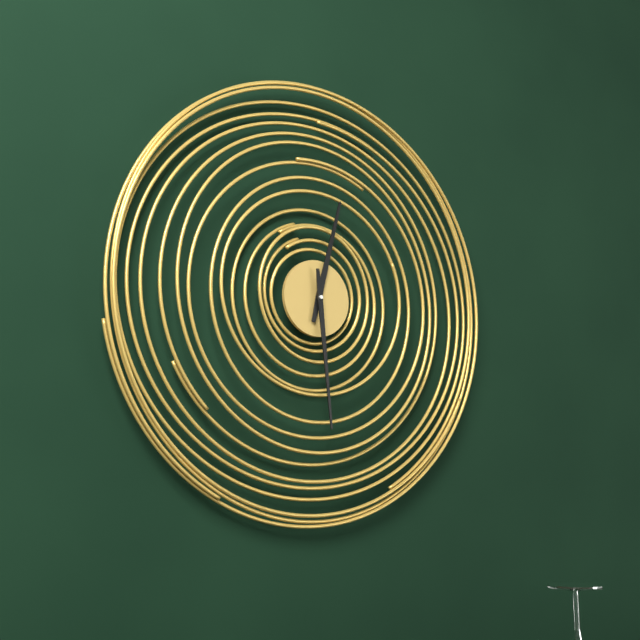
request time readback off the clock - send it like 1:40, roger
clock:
12:29
